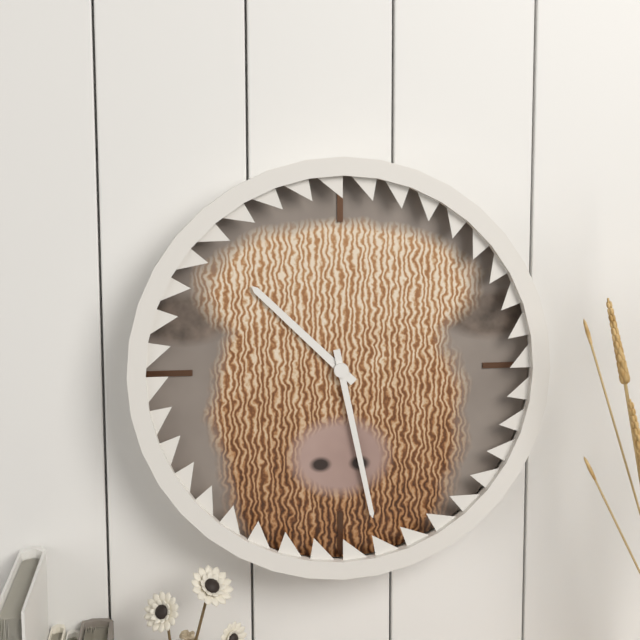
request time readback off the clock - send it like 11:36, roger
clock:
10:28
